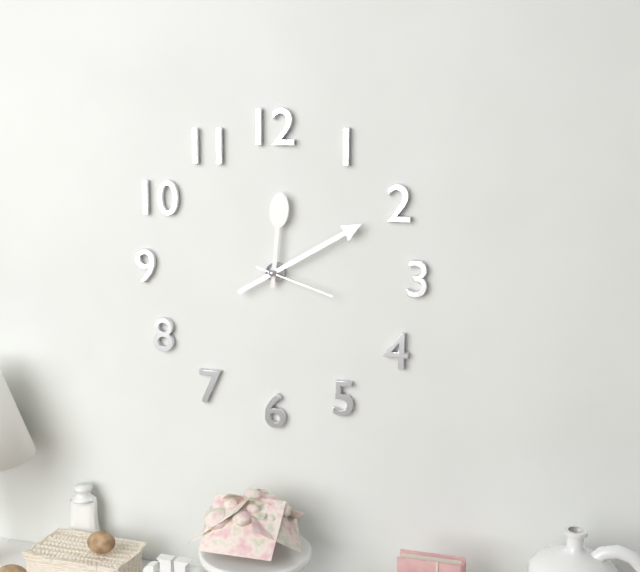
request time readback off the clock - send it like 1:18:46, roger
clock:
12:10:18
